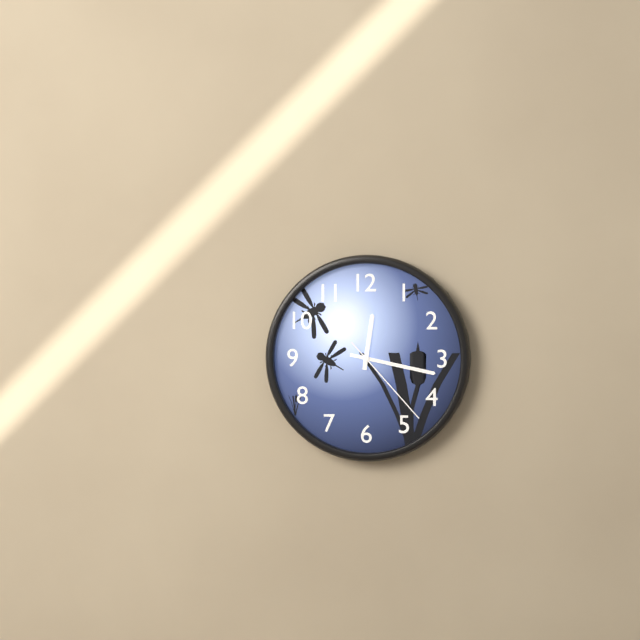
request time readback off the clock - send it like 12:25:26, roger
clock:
12:17:23
